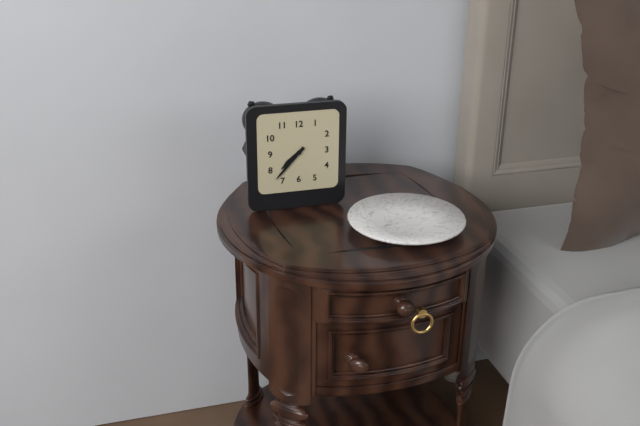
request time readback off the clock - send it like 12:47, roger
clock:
7:37
